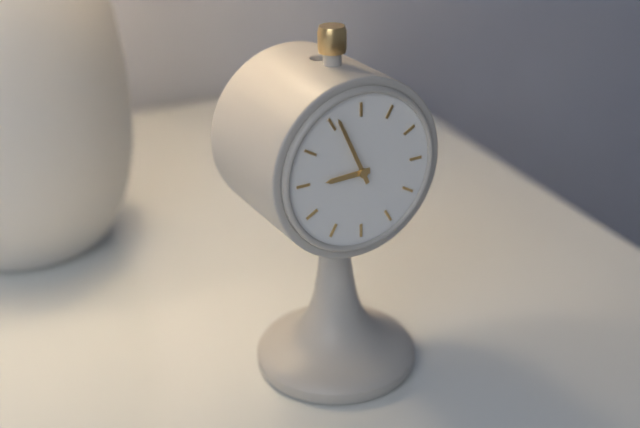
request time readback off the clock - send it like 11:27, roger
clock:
8:56
